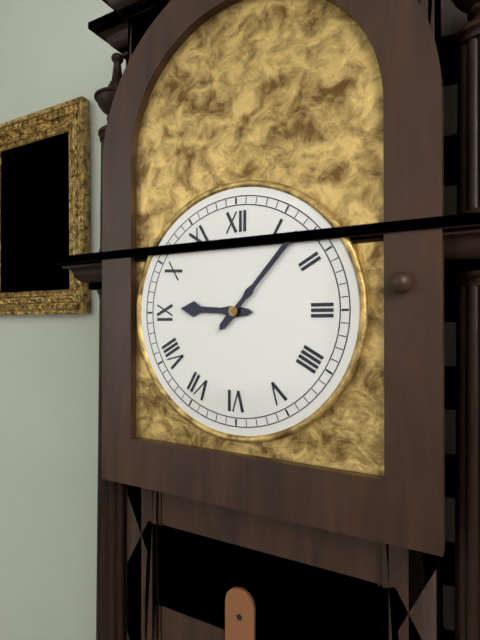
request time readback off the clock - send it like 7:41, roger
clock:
9:07
